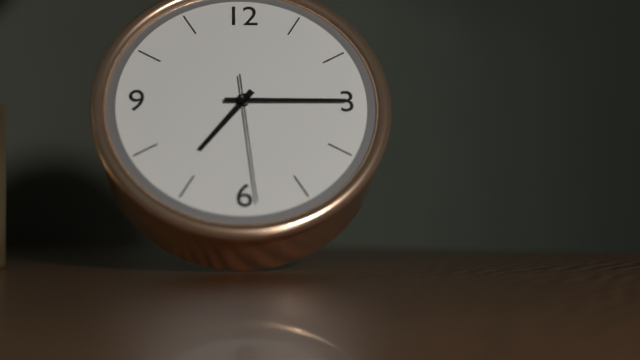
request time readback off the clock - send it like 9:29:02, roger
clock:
7:15:29
